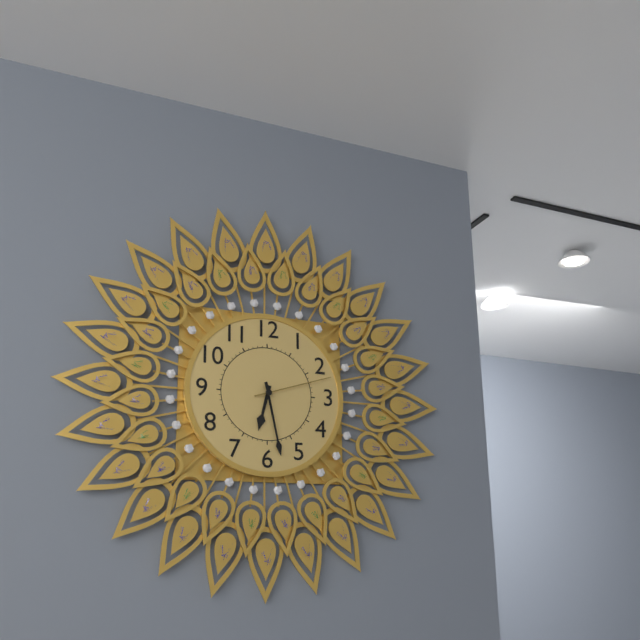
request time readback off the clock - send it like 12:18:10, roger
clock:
6:28:12
